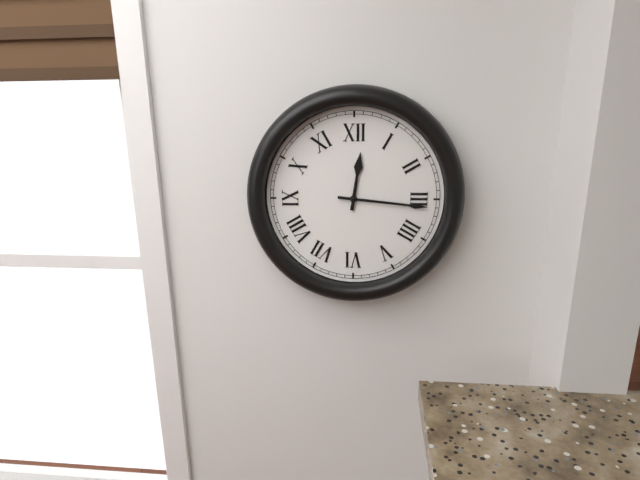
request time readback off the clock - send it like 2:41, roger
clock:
12:16
